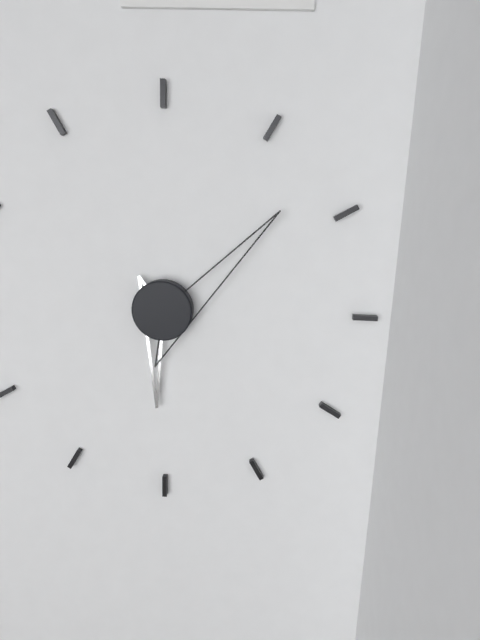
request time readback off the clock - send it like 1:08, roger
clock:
6:08
